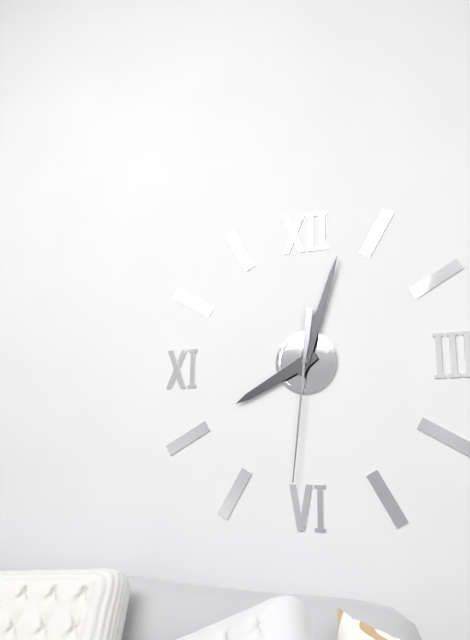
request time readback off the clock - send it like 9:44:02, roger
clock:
8:03:31
